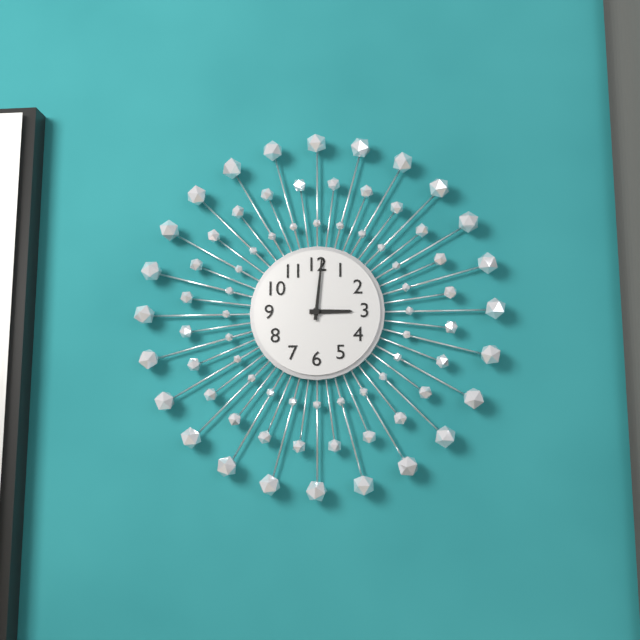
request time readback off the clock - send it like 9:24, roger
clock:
3:01
